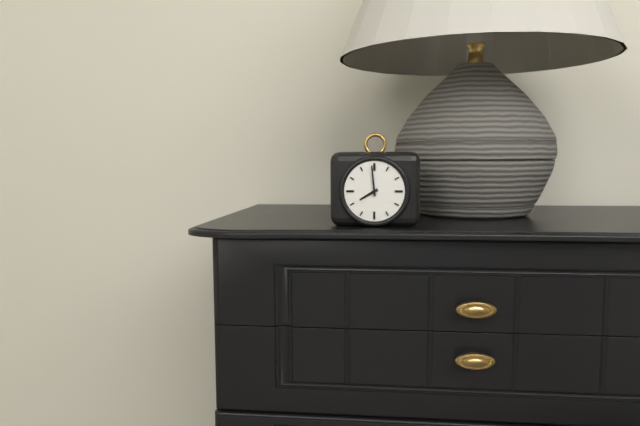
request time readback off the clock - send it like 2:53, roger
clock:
7:59
